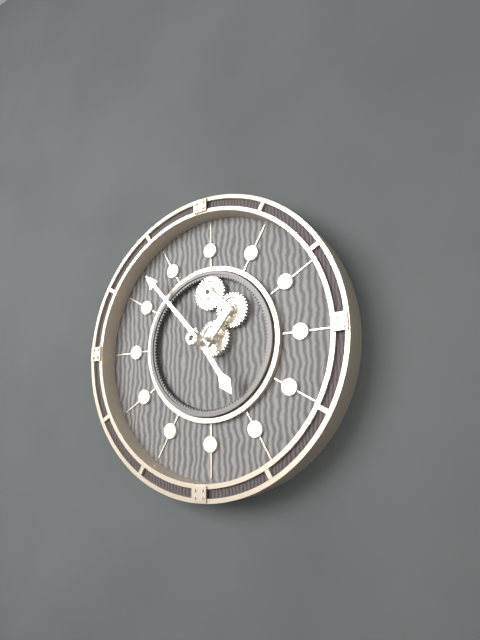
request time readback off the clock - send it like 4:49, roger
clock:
4:53
